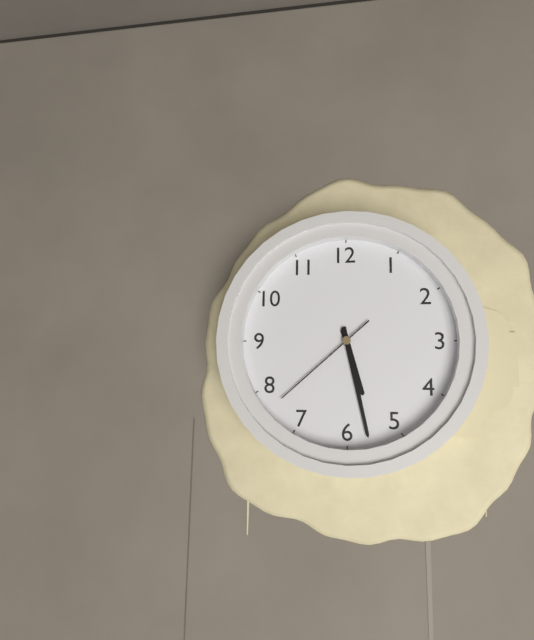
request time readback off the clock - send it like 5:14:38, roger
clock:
5:28:38
